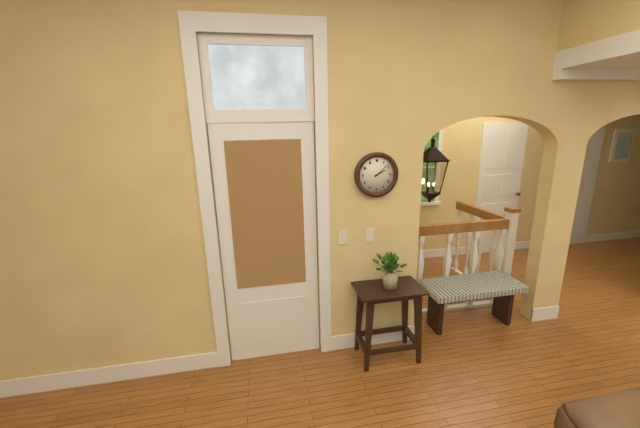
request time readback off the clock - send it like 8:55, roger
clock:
2:08
